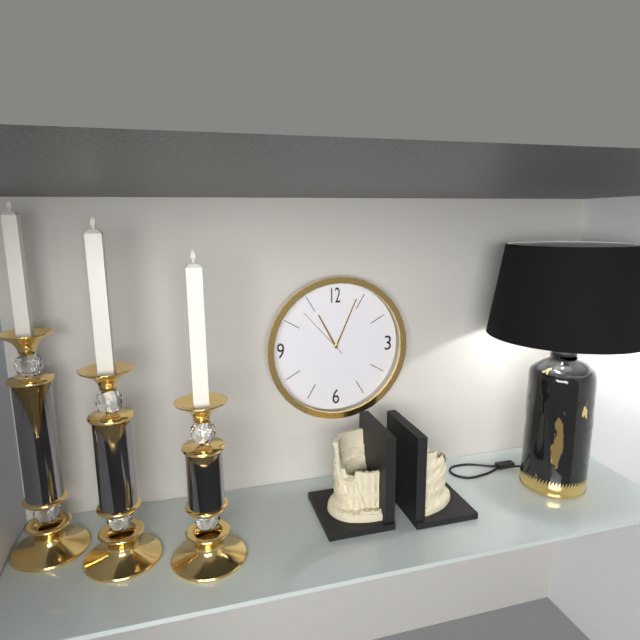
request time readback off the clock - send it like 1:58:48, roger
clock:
11:04:53
